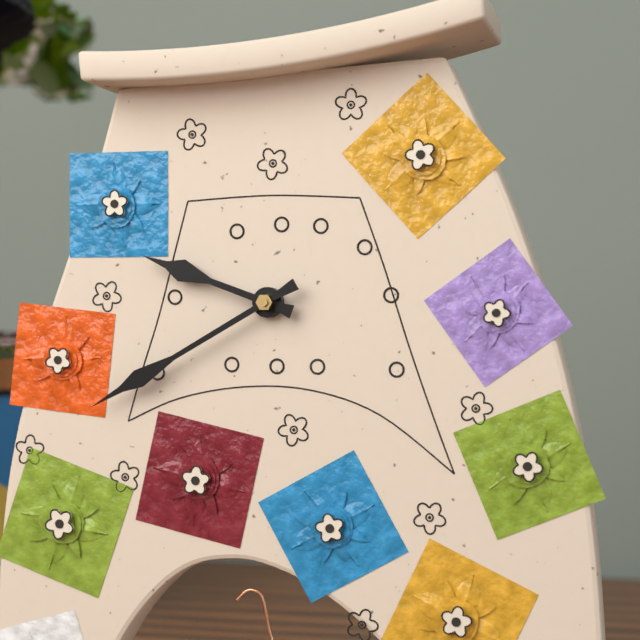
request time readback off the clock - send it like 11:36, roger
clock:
9:40
